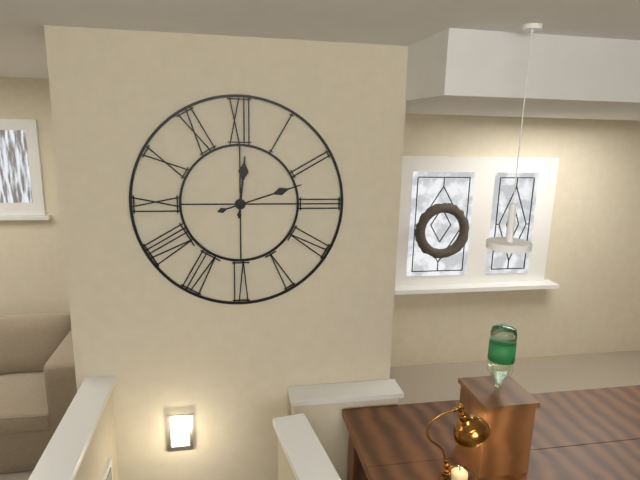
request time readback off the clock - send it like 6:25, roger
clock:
12:12
